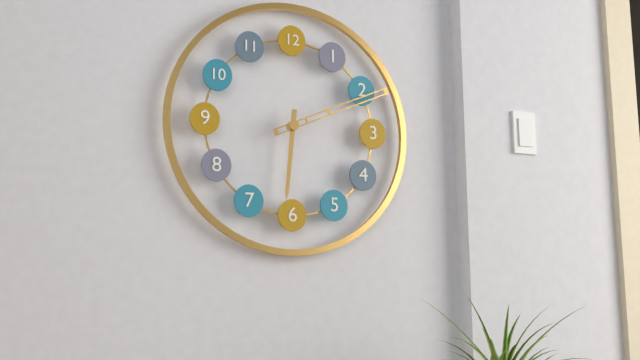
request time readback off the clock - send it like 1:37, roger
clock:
6:11
